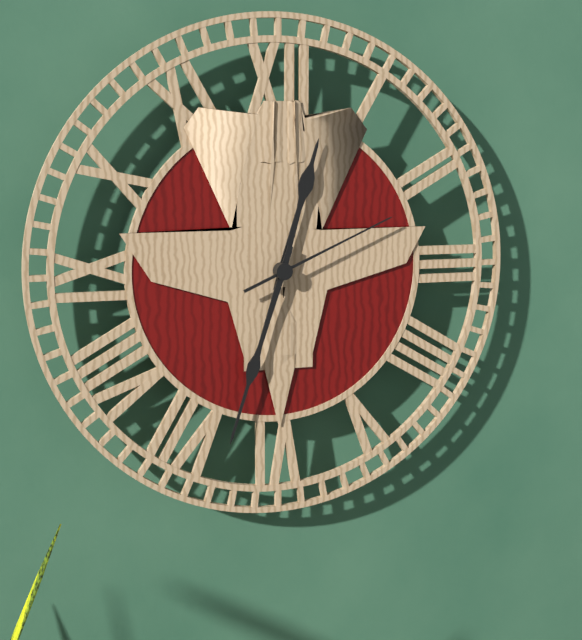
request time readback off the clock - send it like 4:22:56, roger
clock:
12:33:11
